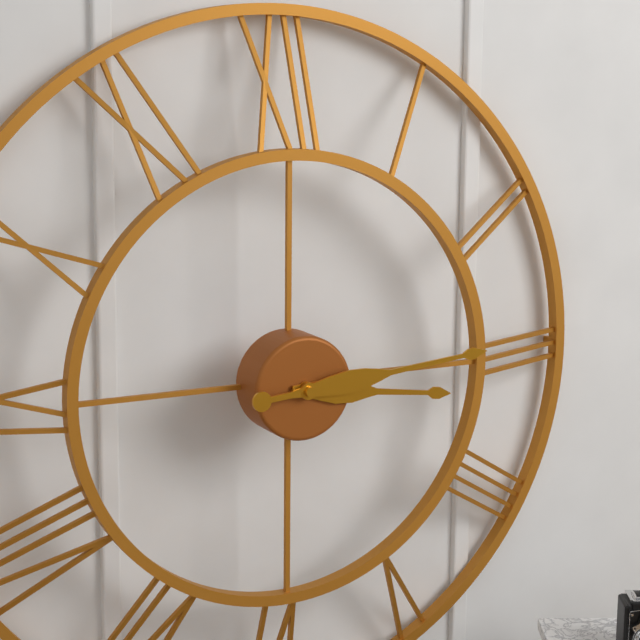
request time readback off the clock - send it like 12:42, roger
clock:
3:14
